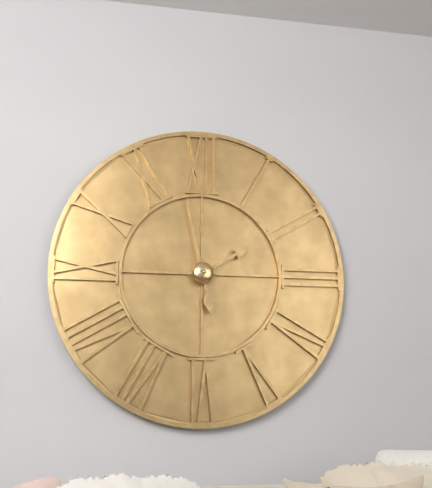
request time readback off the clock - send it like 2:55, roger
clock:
1:58
